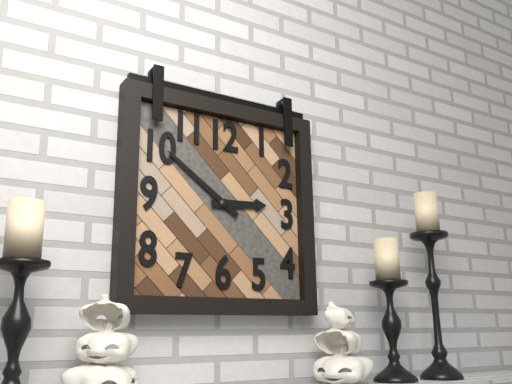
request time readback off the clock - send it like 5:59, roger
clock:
2:51
